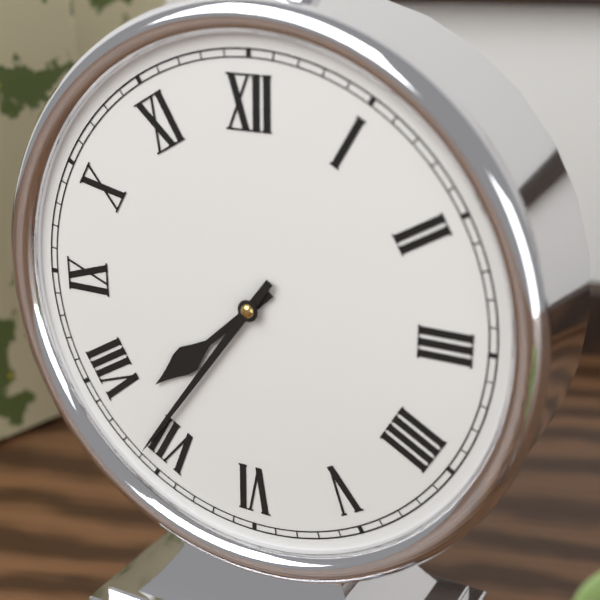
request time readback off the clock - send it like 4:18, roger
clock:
7:36
